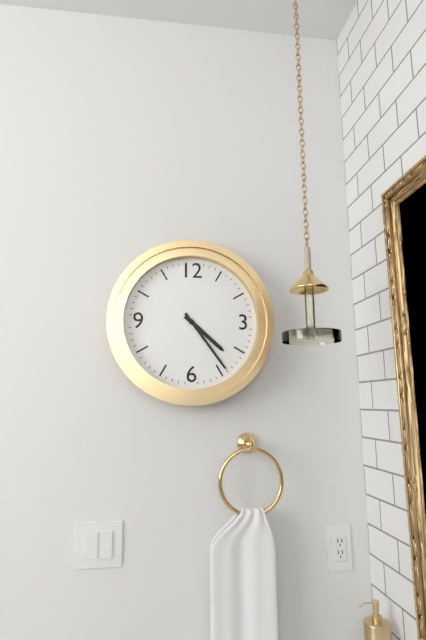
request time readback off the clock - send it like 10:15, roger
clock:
4:24
